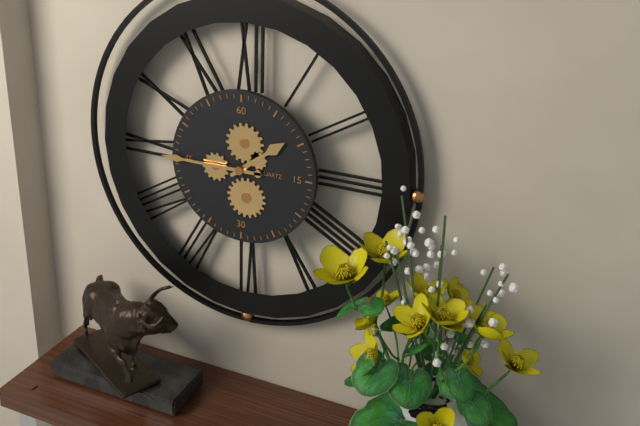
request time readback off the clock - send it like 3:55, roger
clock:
1:45
